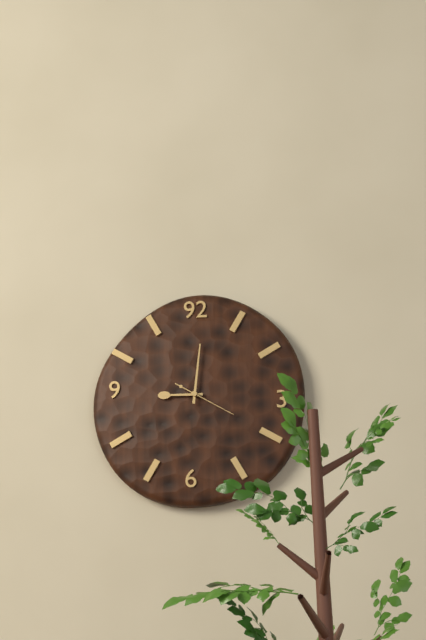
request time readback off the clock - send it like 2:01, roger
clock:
9:01
